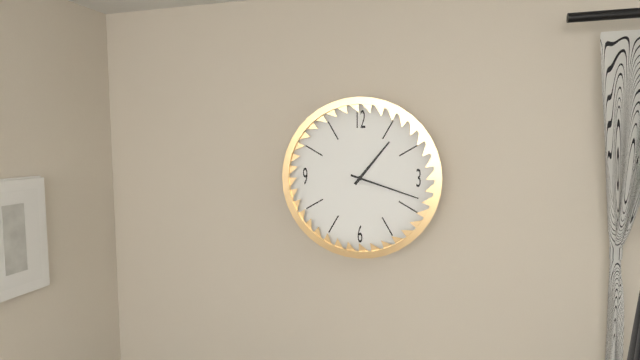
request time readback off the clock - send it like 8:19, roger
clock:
1:18
